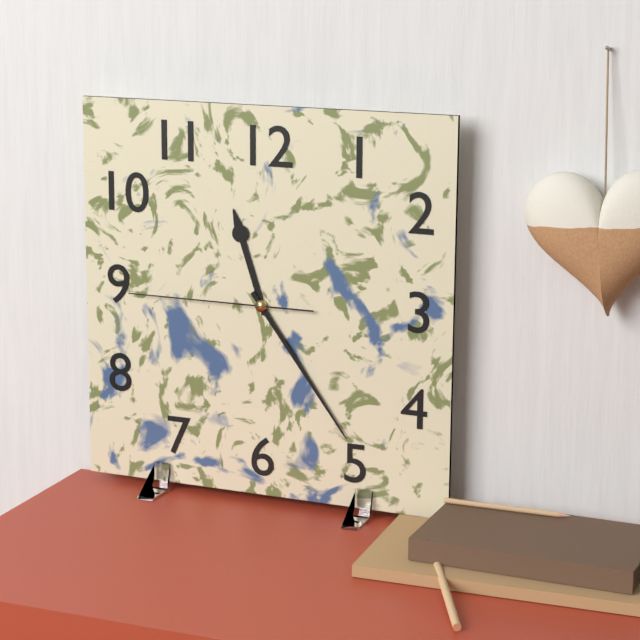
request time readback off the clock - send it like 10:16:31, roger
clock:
11:24:45
